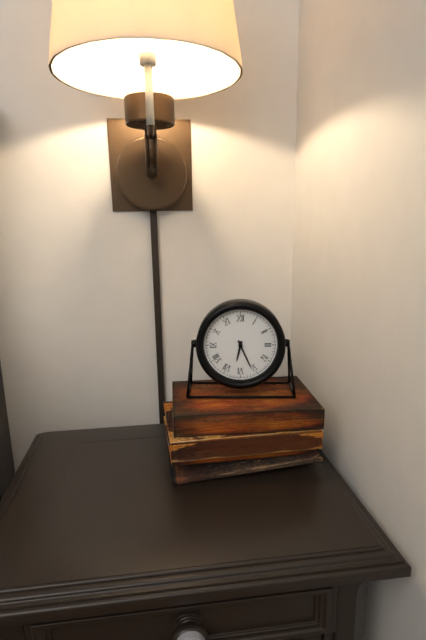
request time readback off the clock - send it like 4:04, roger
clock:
6:26
